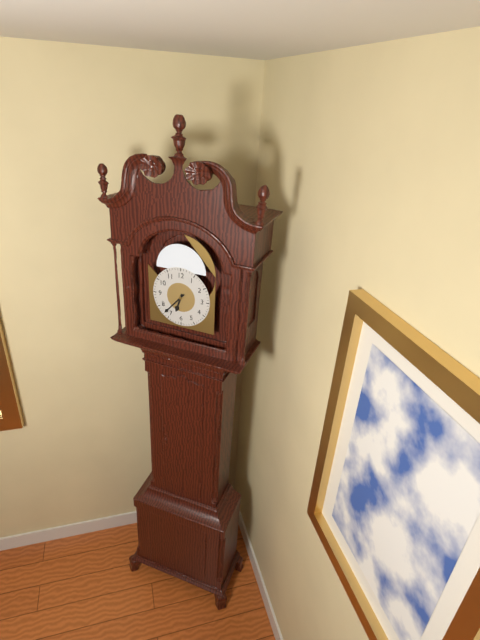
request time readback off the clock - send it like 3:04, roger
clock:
6:37
